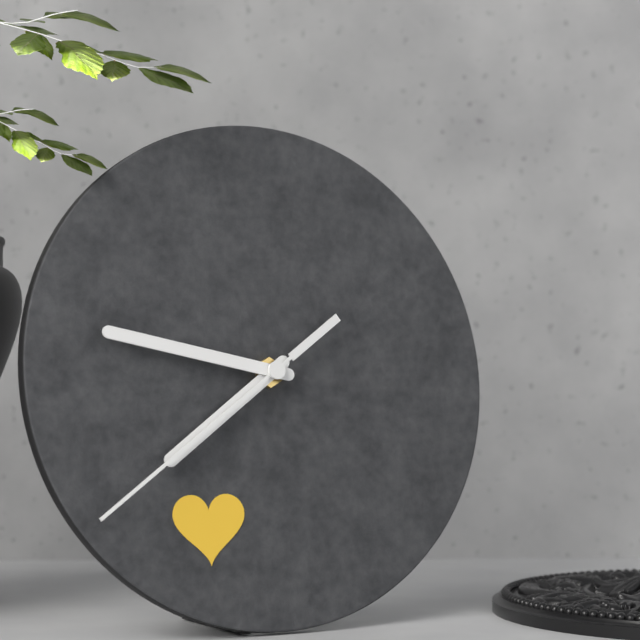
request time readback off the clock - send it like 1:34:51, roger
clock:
7:47:39
